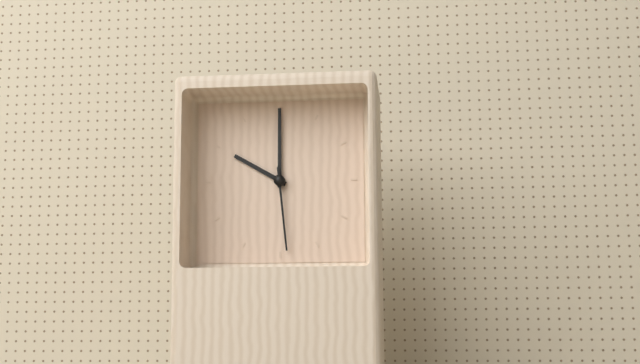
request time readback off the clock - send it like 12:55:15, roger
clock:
10:00:29
